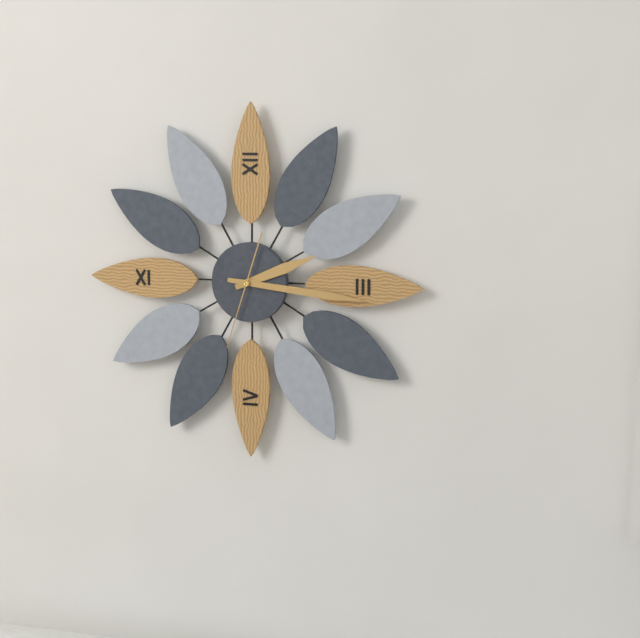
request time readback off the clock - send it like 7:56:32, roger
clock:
2:16:33
